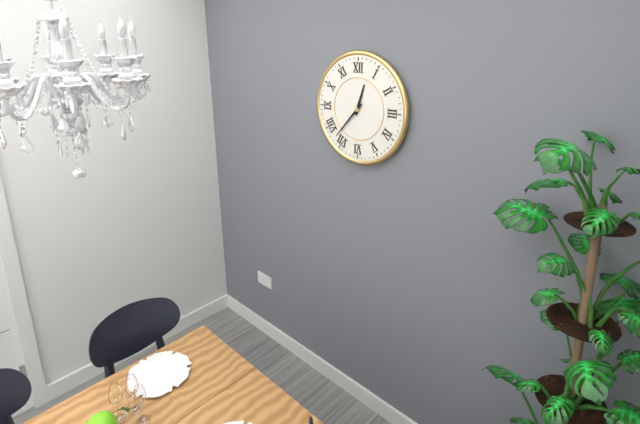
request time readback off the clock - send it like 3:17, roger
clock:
12:37
